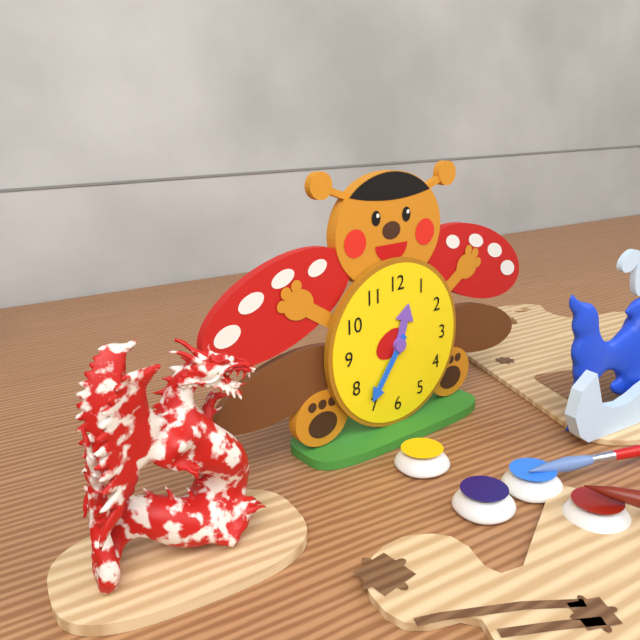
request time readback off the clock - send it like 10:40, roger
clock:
12:36
